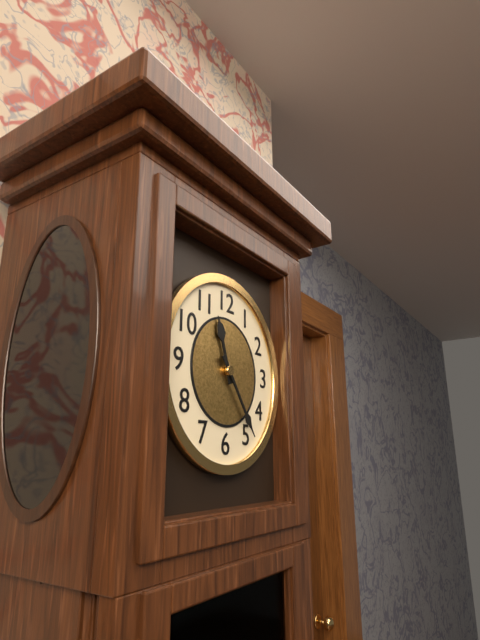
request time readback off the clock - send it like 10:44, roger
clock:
11:24
